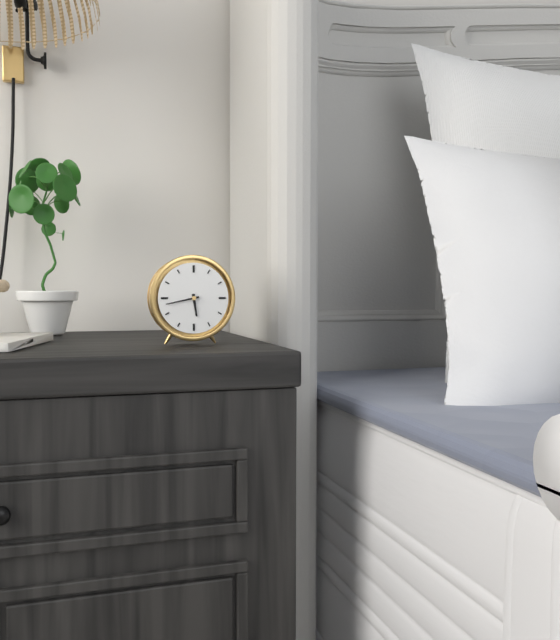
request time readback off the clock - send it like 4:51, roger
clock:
5:43
